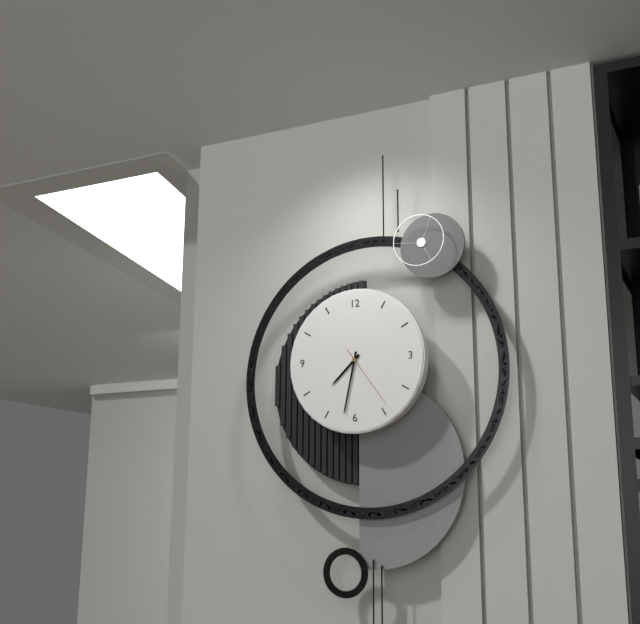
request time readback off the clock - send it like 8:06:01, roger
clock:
7:32:24
